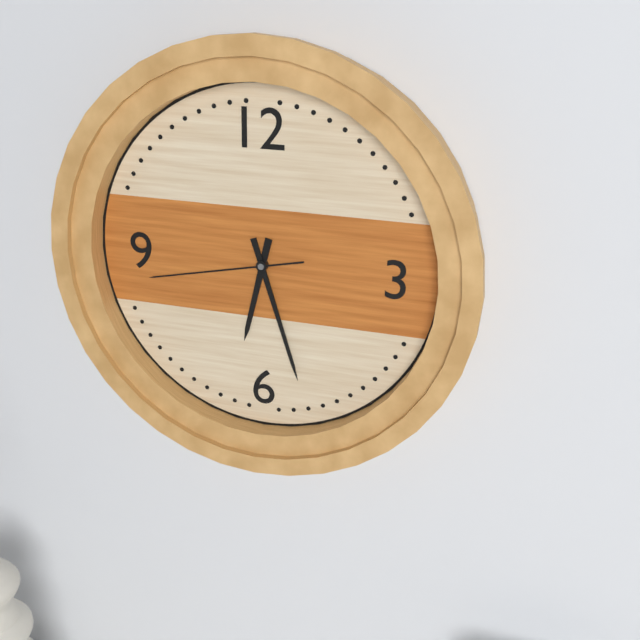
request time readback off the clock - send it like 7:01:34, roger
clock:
6:27:43
